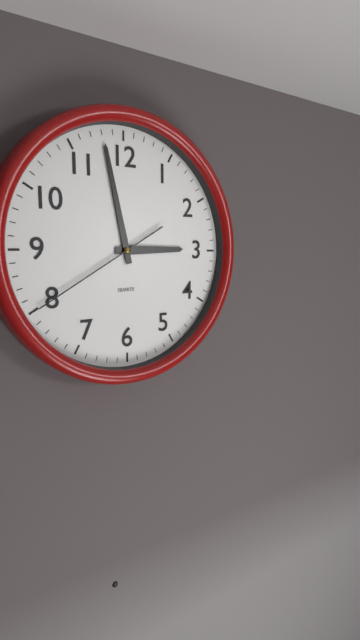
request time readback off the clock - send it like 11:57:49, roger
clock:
2:58:40
